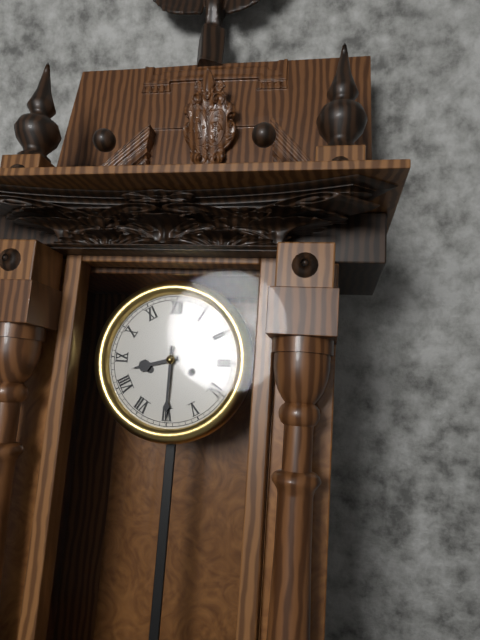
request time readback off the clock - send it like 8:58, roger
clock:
8:30
